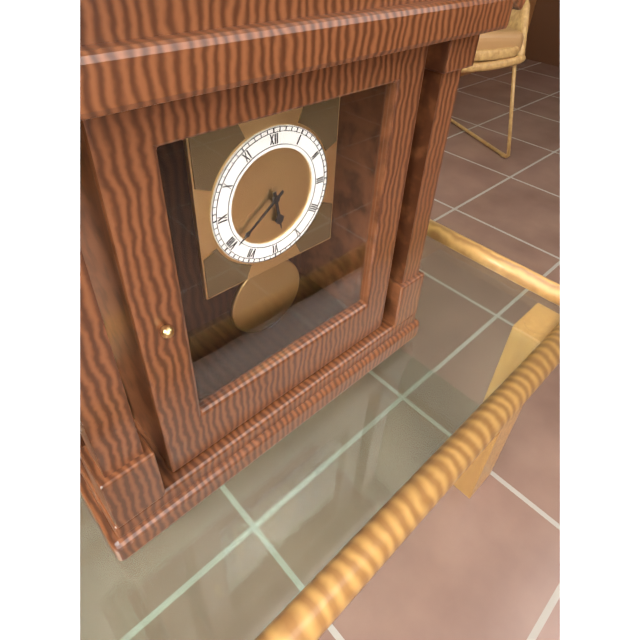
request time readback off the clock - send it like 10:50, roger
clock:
5:39
